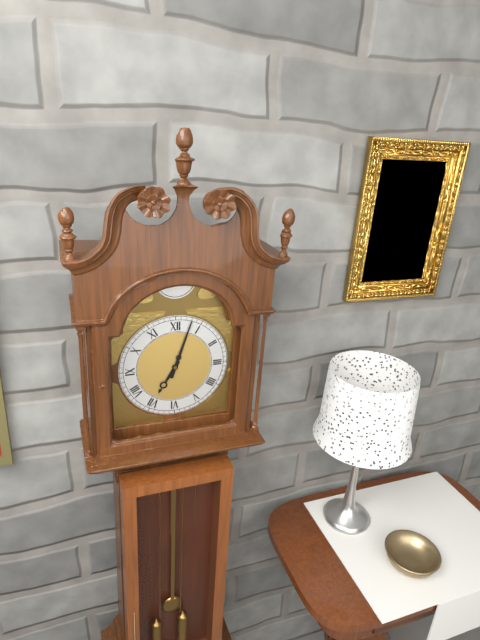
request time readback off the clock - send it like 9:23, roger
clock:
7:03
